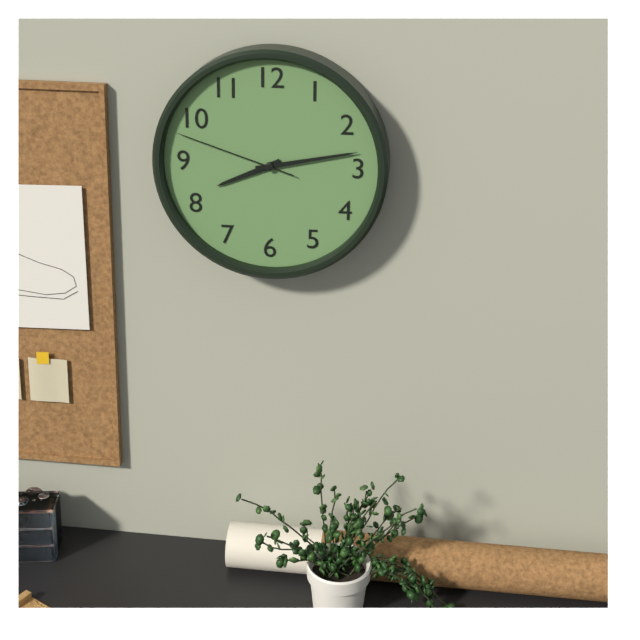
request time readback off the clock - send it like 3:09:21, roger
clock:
8:13:48
